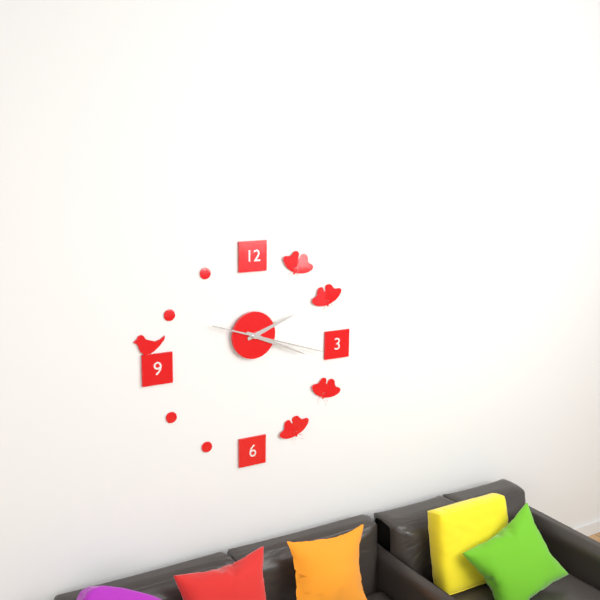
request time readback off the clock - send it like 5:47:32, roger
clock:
2:19:18
